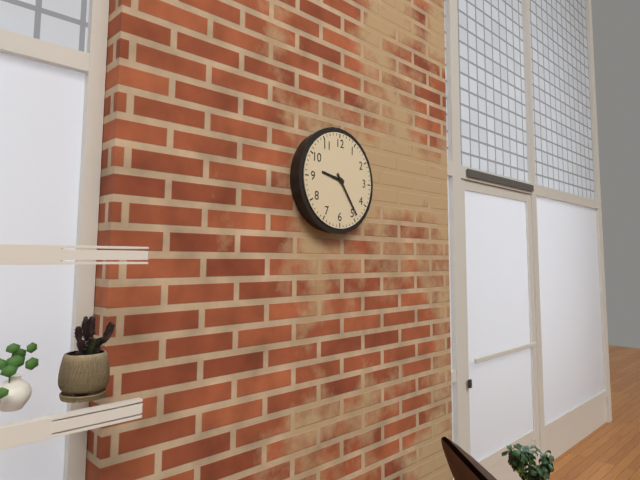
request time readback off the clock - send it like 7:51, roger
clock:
9:24
